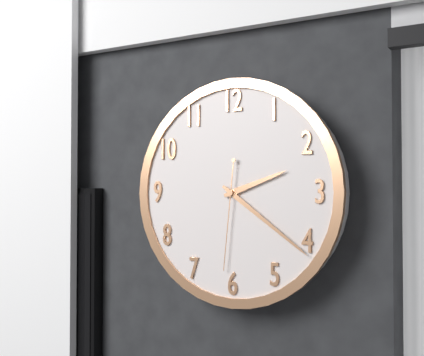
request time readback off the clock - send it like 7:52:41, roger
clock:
2:21:31
